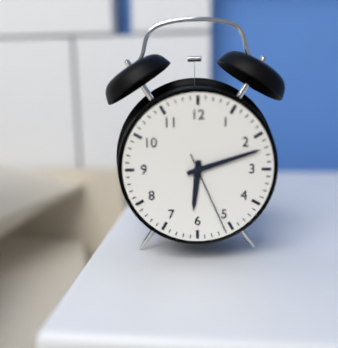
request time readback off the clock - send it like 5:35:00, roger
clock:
6:12:26
